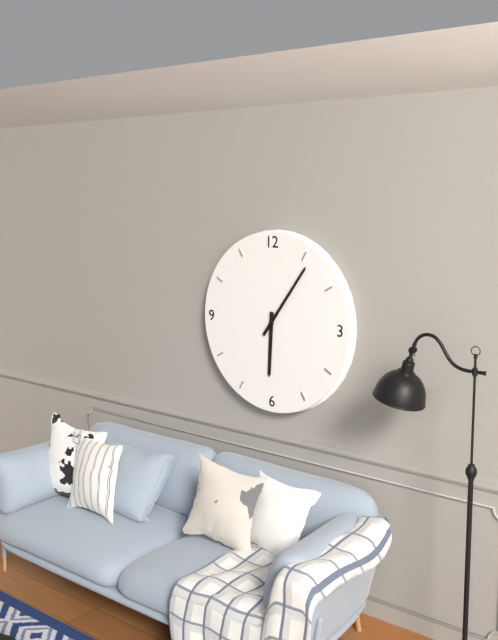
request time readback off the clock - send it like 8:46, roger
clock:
6:06
